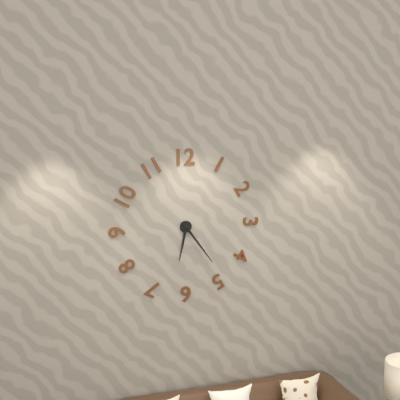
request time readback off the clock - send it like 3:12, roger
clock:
6:24
